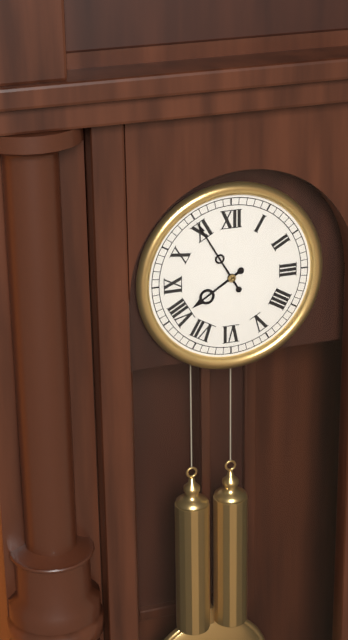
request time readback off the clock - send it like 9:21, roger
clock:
7:55
